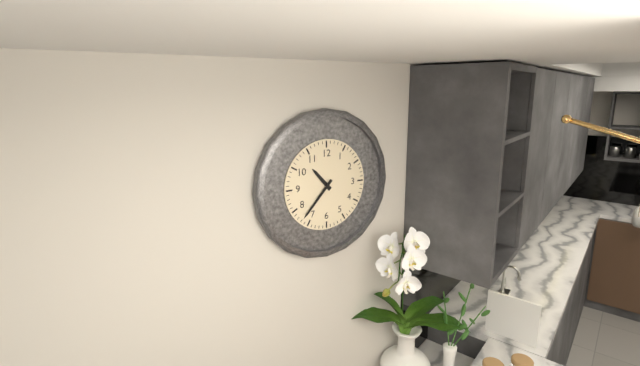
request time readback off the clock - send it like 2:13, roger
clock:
10:37
